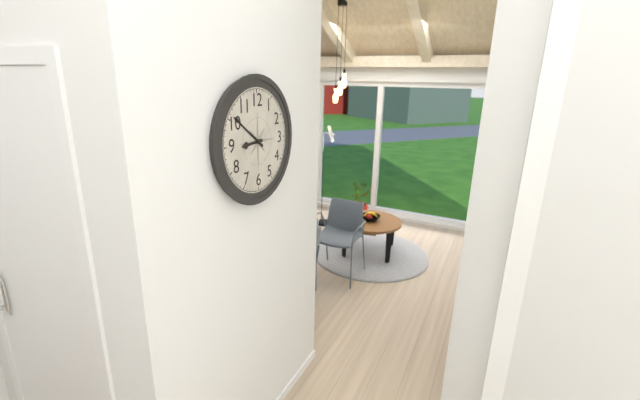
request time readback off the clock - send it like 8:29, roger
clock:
8:51
